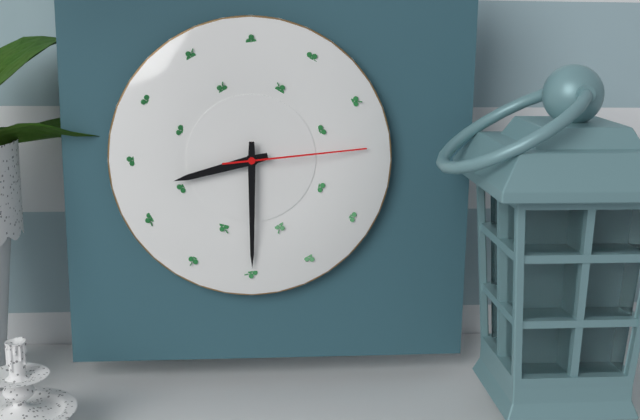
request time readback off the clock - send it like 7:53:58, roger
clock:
8:30:14
